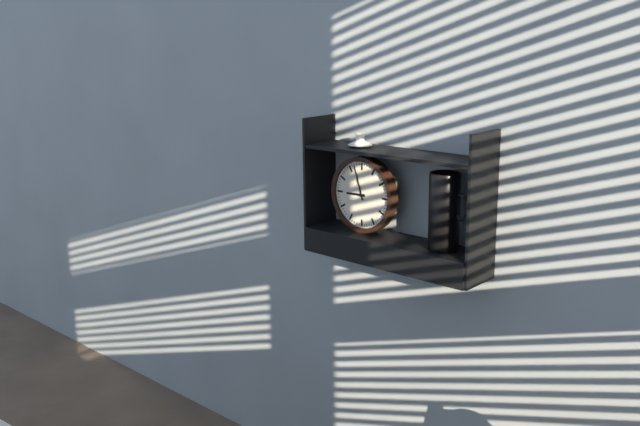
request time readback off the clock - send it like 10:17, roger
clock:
8:57
